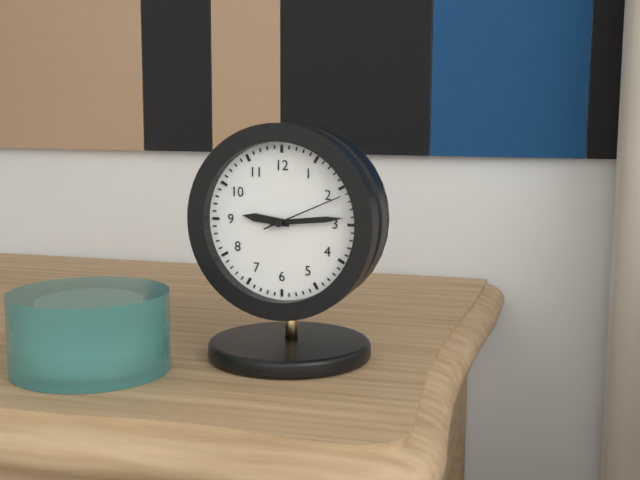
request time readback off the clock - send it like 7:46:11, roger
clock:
9:14:11
